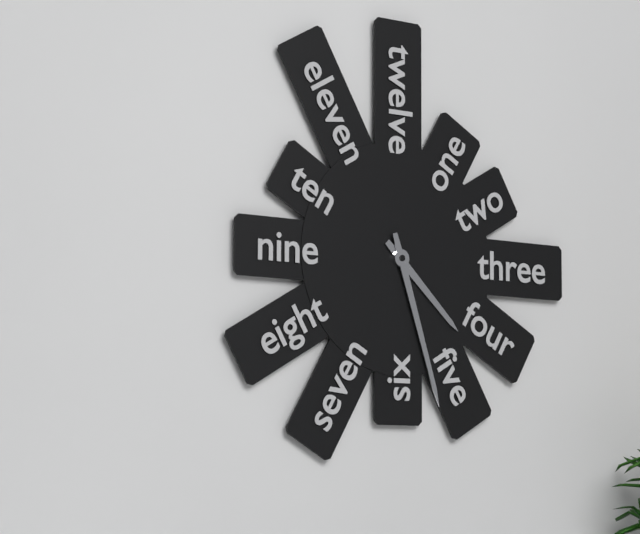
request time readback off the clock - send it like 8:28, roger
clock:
4:27
